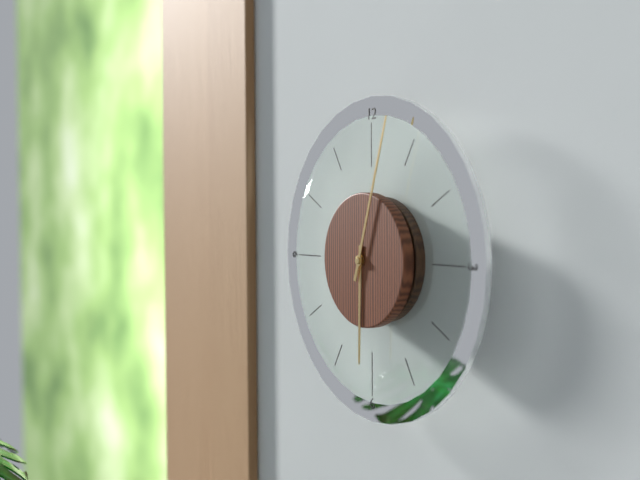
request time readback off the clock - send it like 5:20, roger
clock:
6:03
